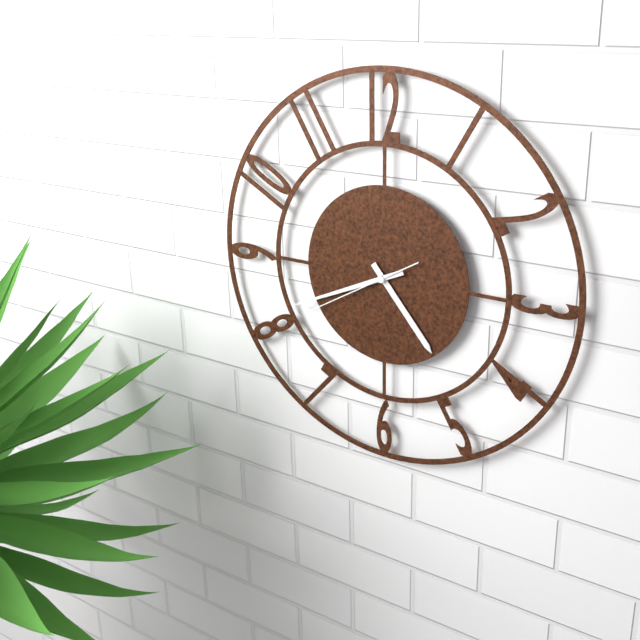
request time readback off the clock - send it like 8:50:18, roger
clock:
4:41:40
